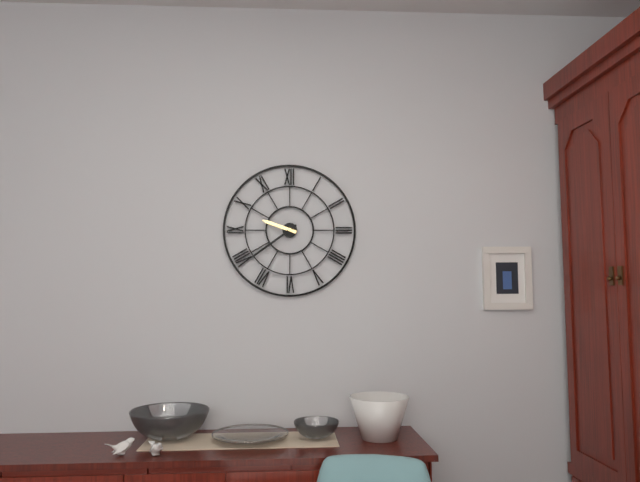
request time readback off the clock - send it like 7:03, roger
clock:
9:39
